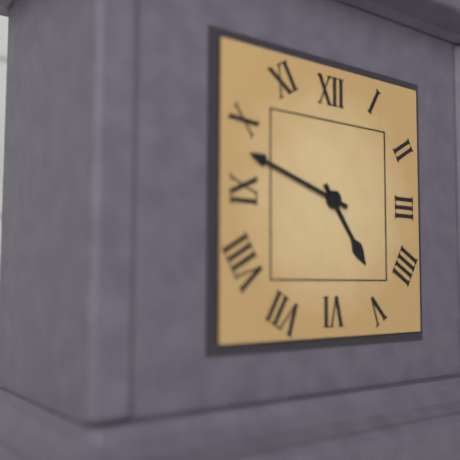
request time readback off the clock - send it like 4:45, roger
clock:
4:48
